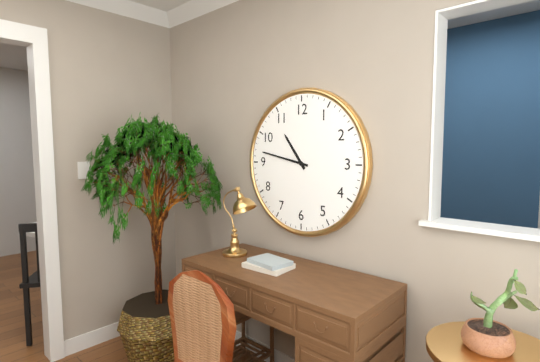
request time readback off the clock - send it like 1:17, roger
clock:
10:47
